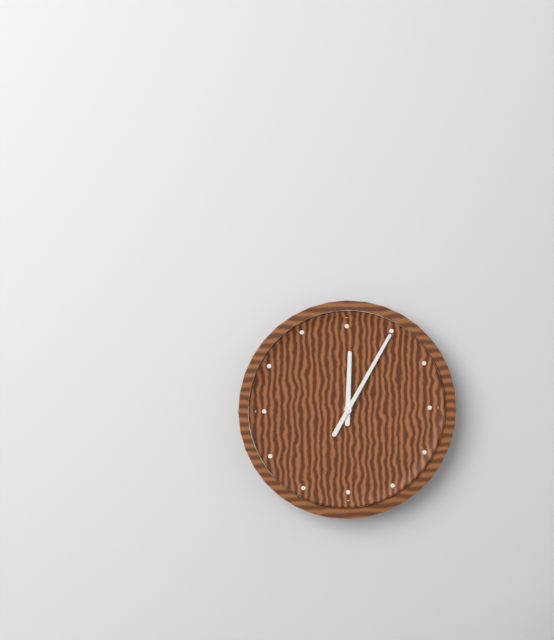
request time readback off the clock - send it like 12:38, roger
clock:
12:05
